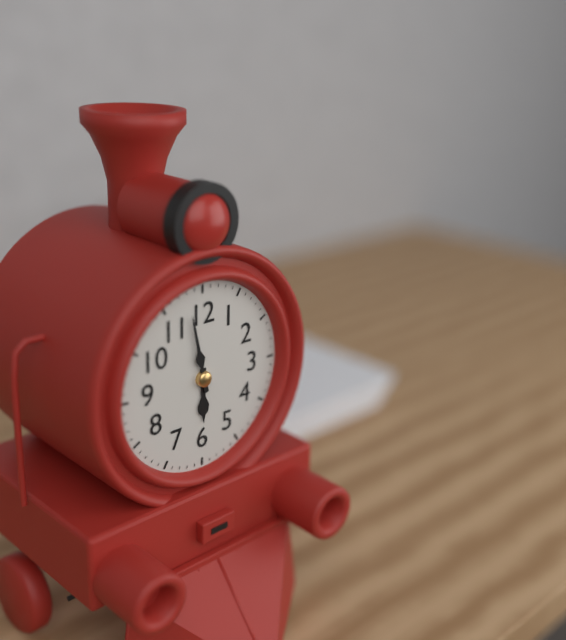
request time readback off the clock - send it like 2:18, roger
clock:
5:58
